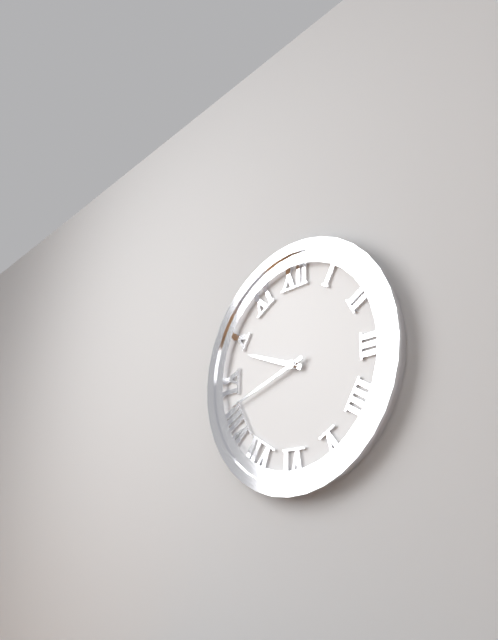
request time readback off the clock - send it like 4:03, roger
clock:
9:42
